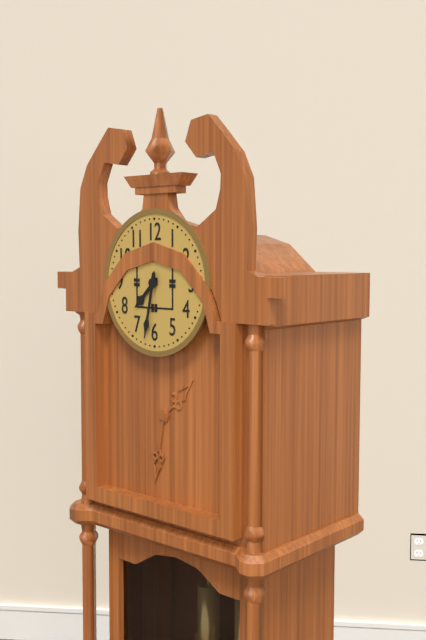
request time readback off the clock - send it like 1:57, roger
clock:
7:32
